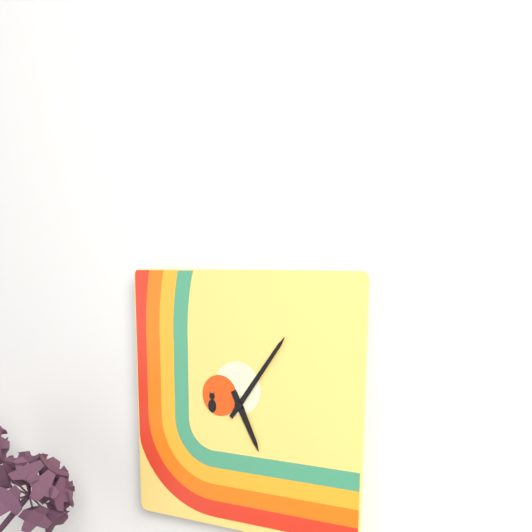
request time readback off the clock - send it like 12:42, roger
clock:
5:06
